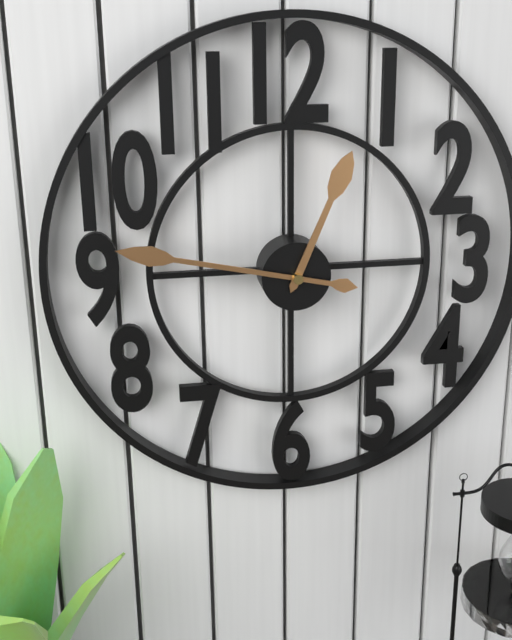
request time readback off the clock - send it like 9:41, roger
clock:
12:47
